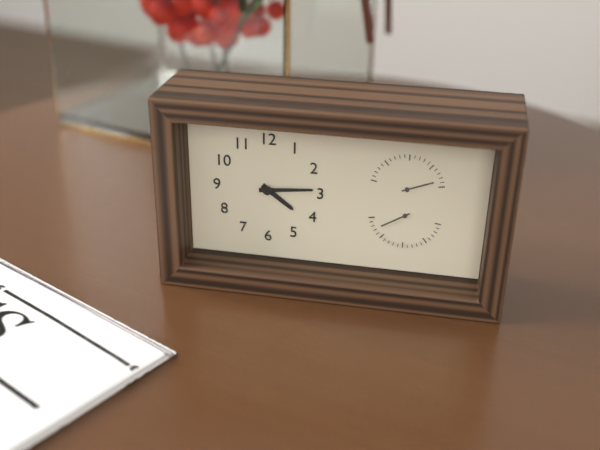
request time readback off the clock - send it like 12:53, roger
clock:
4:14
